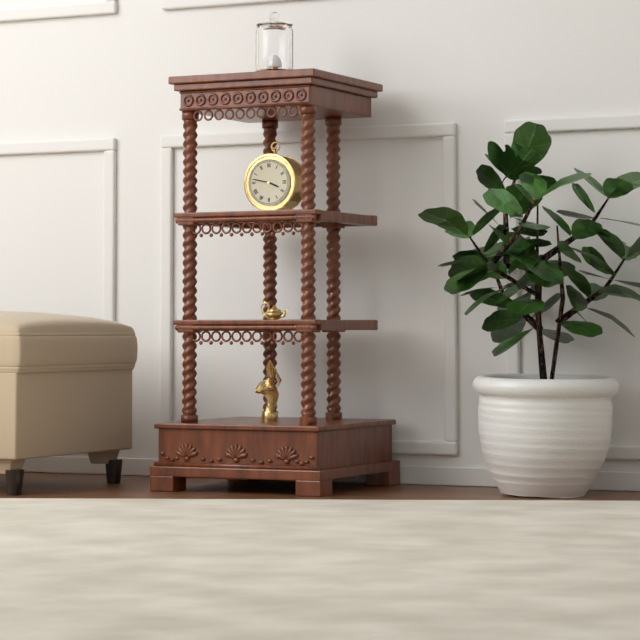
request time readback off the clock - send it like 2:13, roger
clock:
3:47
